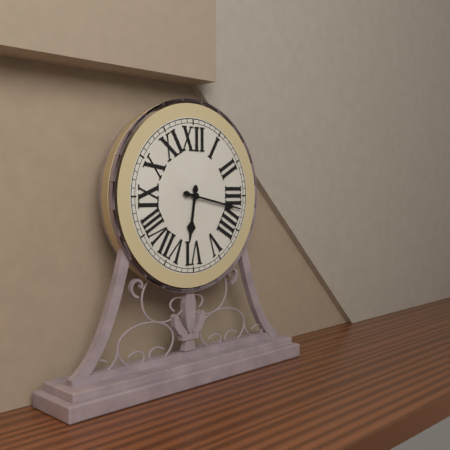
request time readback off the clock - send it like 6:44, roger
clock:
6:17
